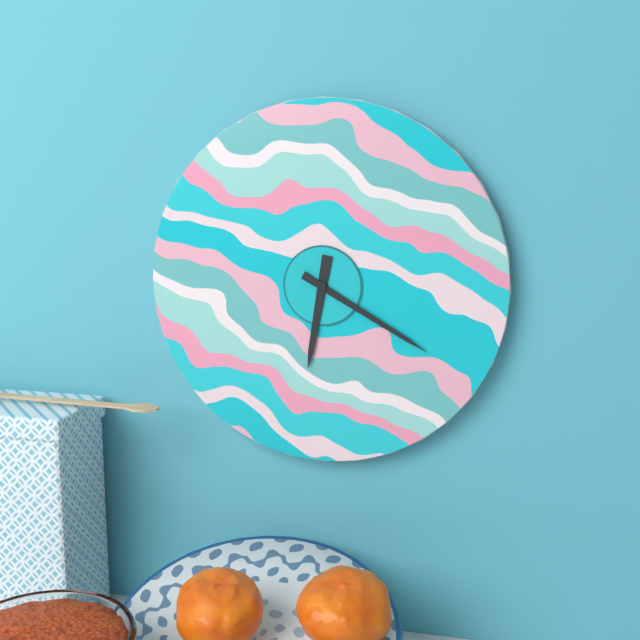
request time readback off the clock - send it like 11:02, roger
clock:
6:20
